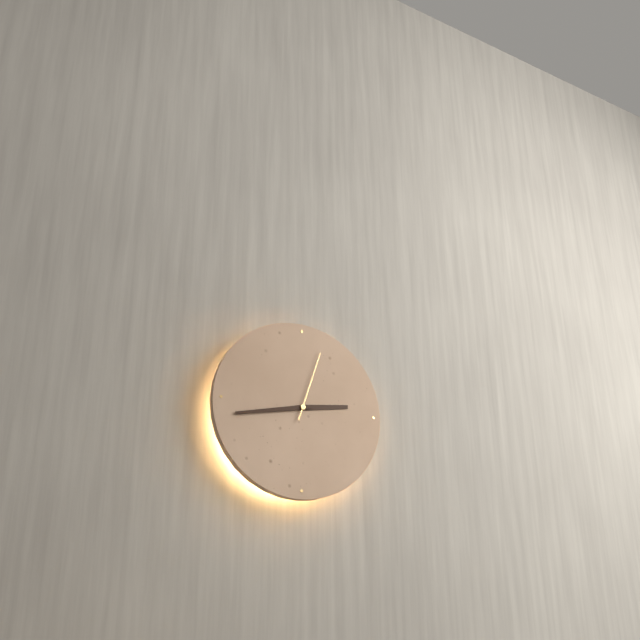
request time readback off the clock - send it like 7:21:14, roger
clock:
2:43:03
